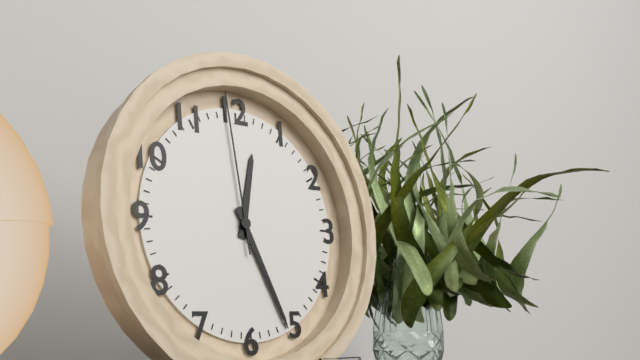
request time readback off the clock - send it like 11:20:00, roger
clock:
12:26:59
